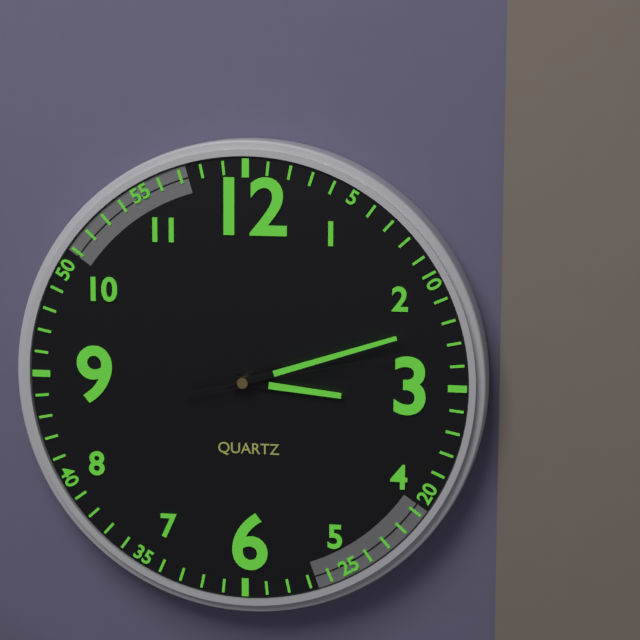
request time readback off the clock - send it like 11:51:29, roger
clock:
3:12:13
